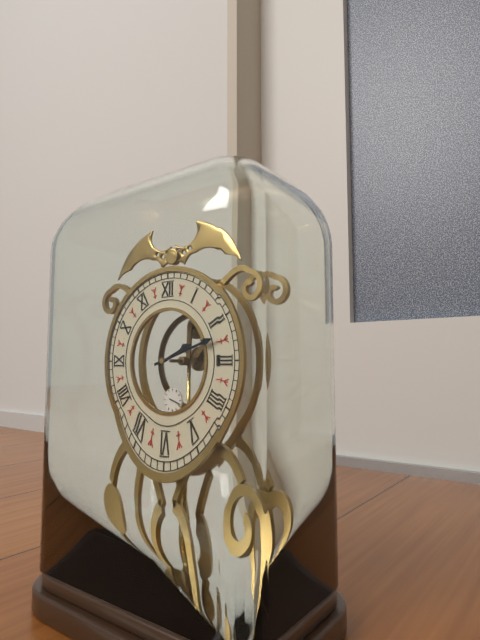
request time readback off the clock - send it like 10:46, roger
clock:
2:12
